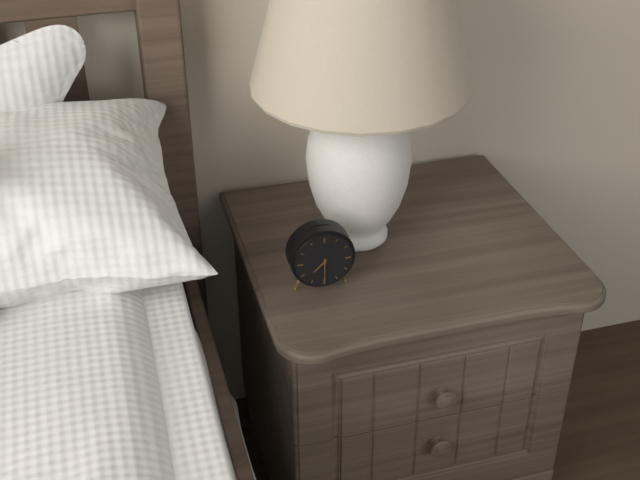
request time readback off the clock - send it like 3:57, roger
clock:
7:30
